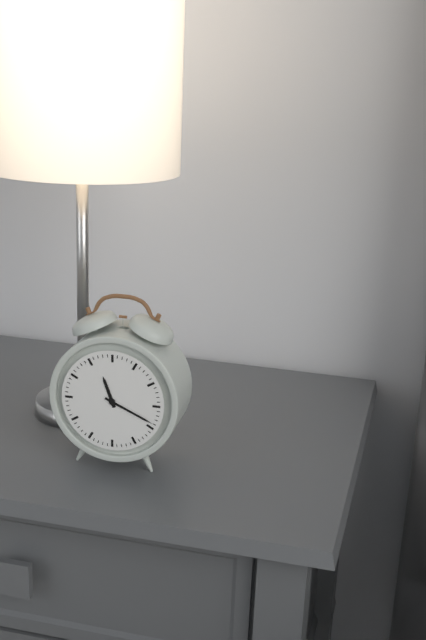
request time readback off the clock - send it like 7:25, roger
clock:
11:19
